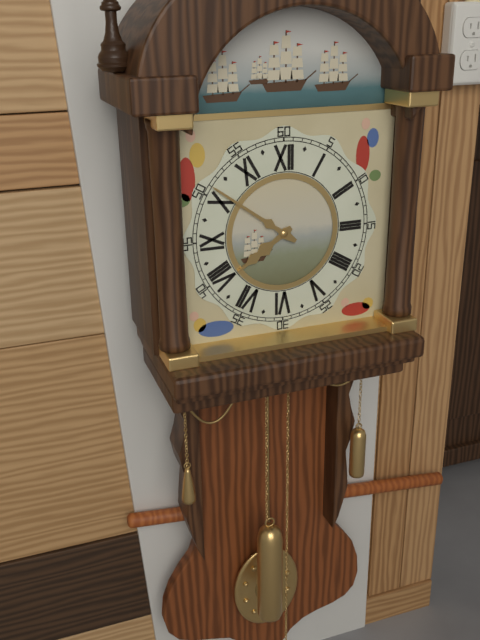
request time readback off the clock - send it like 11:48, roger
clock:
7:51
